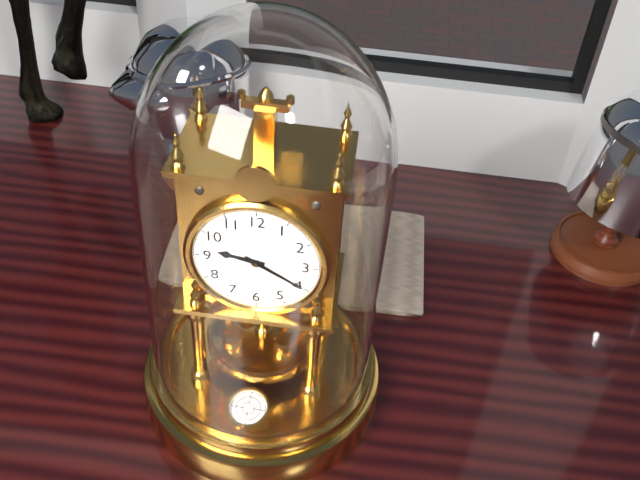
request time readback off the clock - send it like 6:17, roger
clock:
9:20
